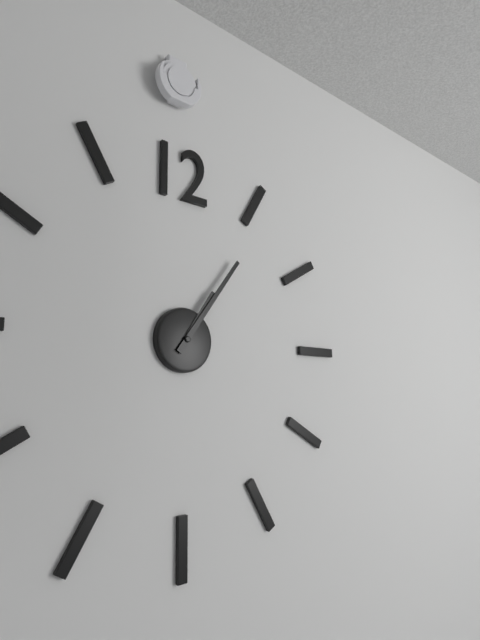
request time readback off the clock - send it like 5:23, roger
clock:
1:06
